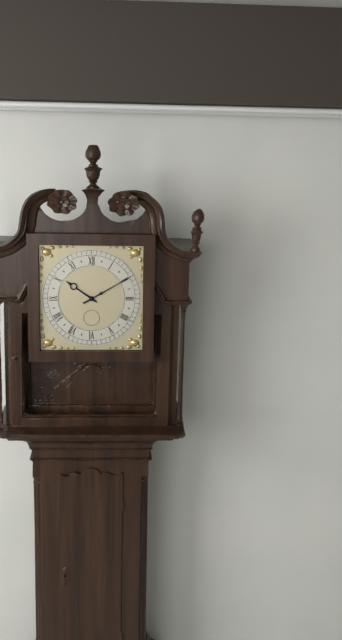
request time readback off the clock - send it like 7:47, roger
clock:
10:10
